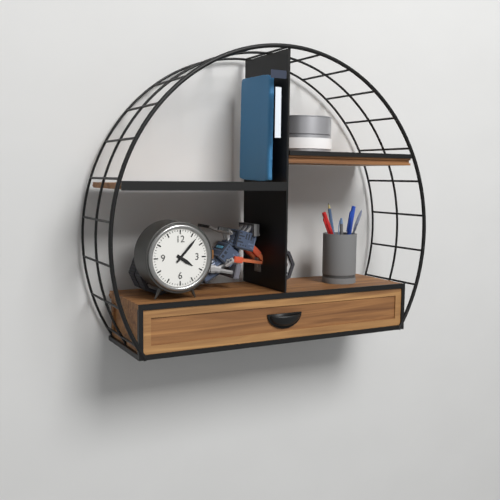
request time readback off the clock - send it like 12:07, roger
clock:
4:07
